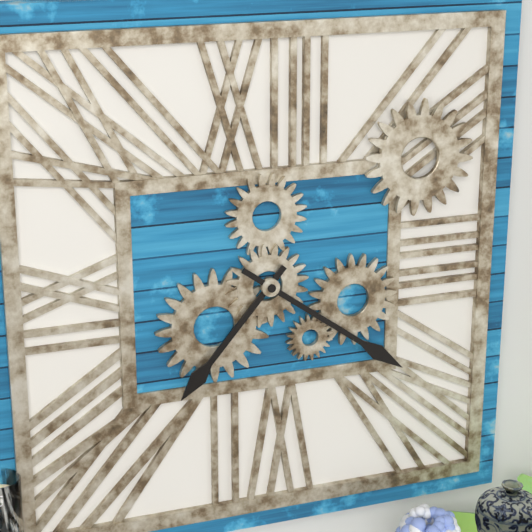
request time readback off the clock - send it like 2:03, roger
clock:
7:21
